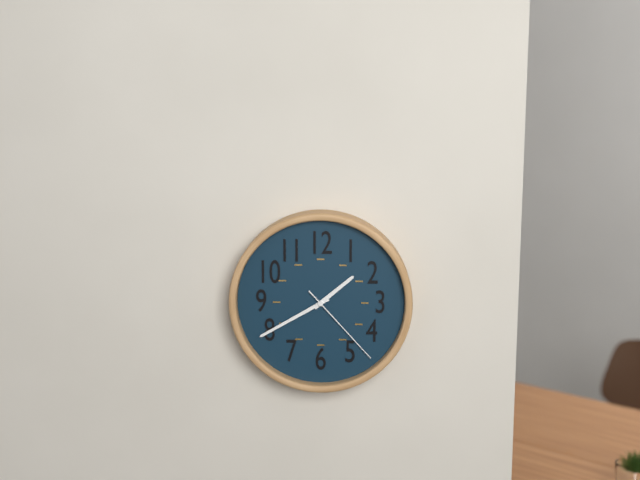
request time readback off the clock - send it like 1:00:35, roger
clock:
1:40:23
